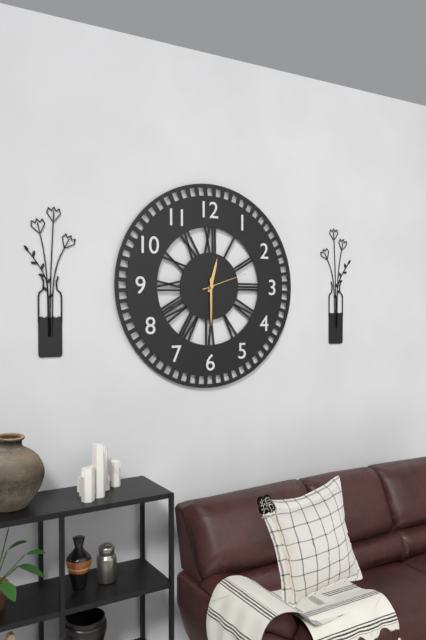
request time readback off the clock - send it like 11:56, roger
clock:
12:30
